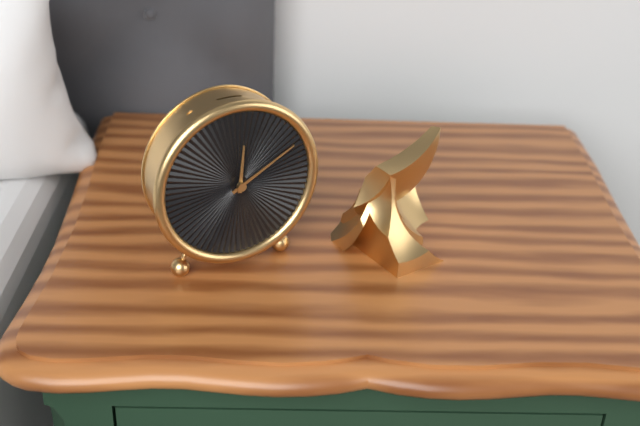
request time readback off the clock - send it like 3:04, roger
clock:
12:10
